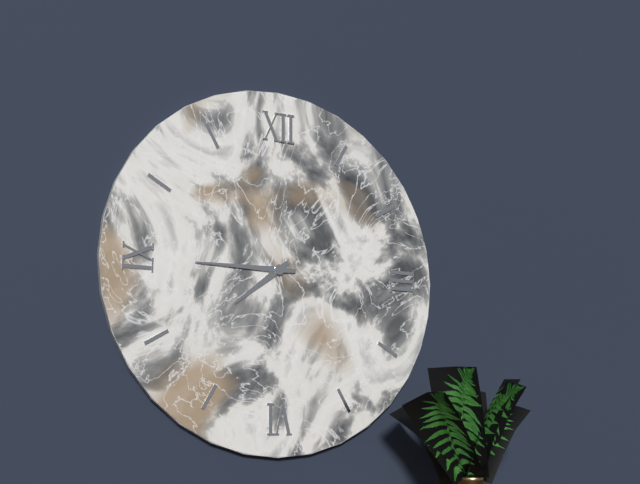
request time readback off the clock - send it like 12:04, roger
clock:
7:45
